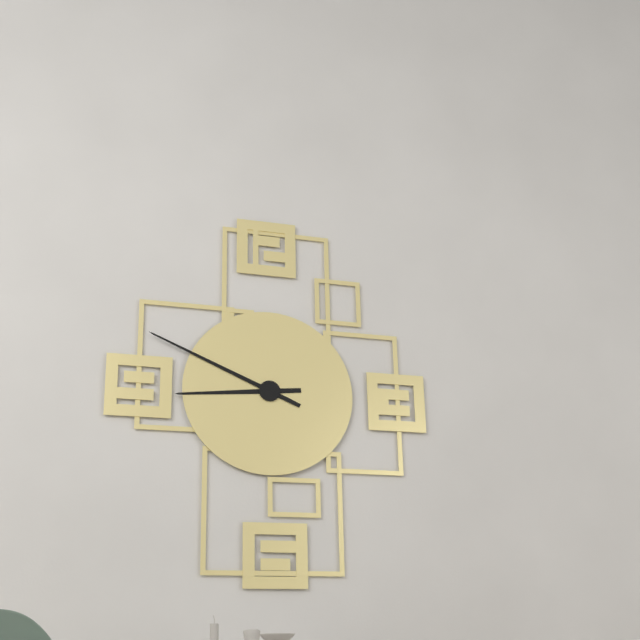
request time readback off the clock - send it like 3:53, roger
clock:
8:49
